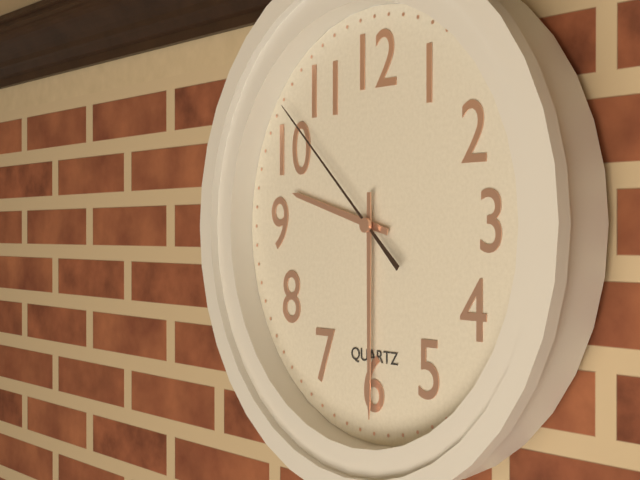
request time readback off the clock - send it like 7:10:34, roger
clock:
9:30:52
